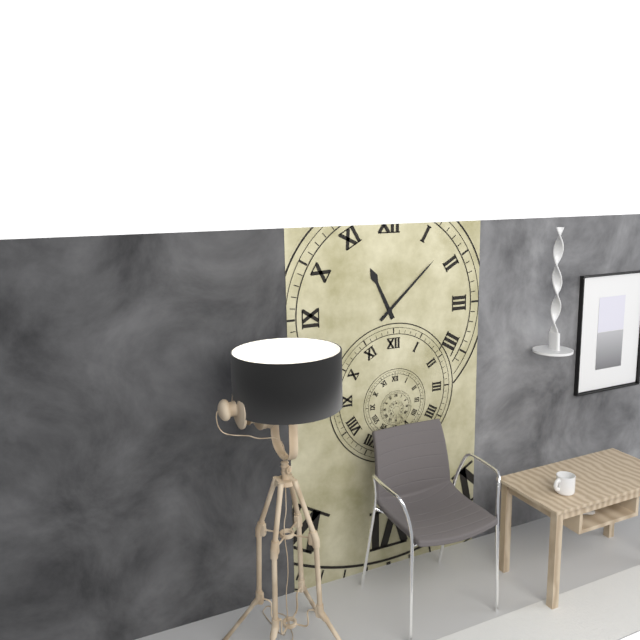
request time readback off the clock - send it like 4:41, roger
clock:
11:08
